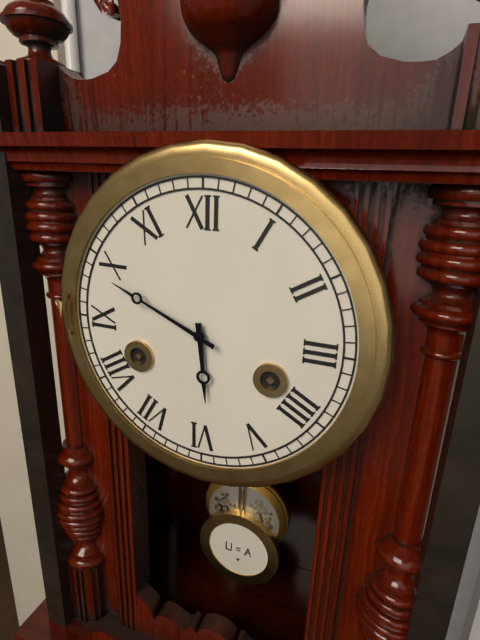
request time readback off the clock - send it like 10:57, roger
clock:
5:49
